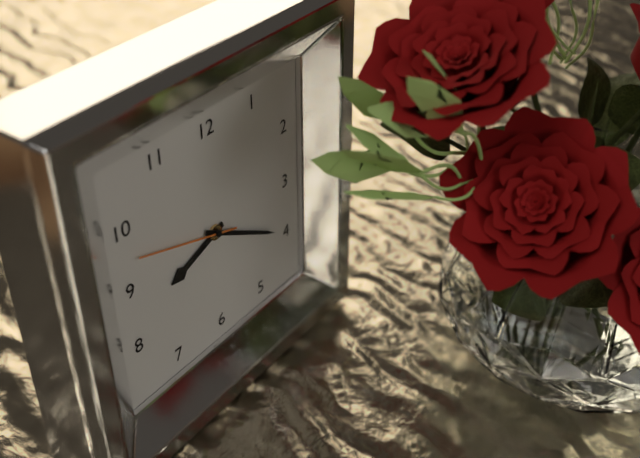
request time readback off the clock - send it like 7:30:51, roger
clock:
8:20:48
